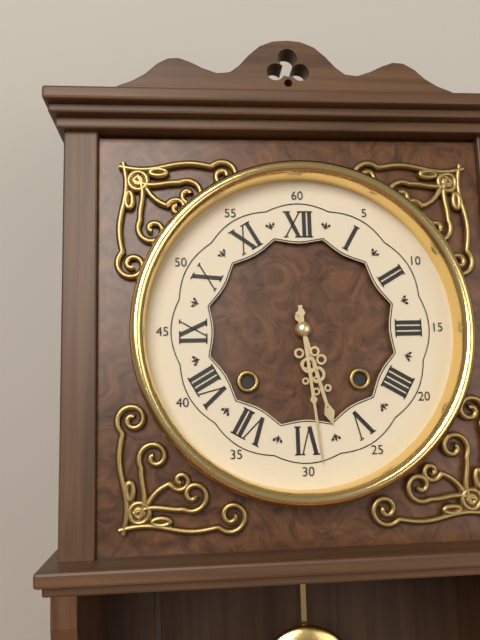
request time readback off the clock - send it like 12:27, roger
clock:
5:29
